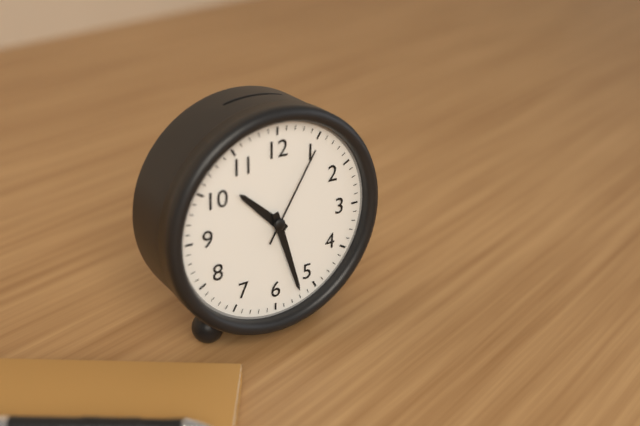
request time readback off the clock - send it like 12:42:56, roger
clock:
10:27:05
